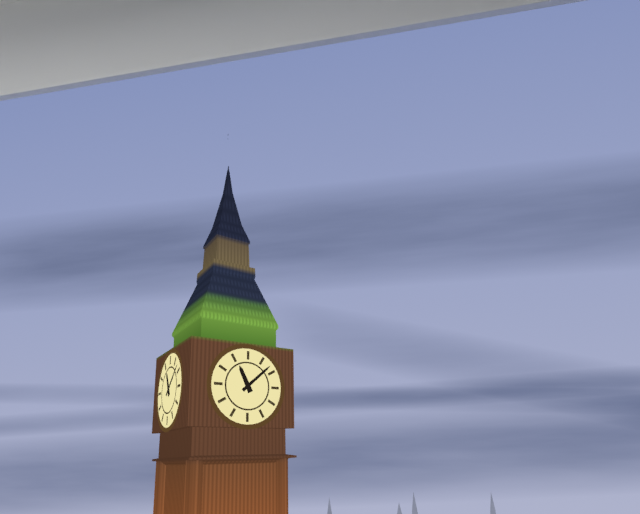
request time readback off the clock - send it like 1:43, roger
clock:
11:08
